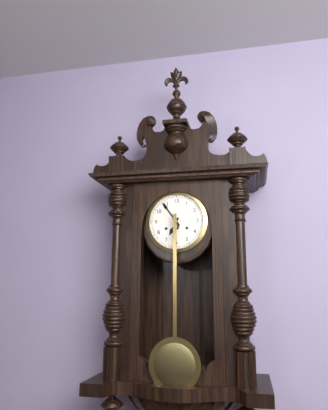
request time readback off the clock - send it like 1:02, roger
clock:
6:54
